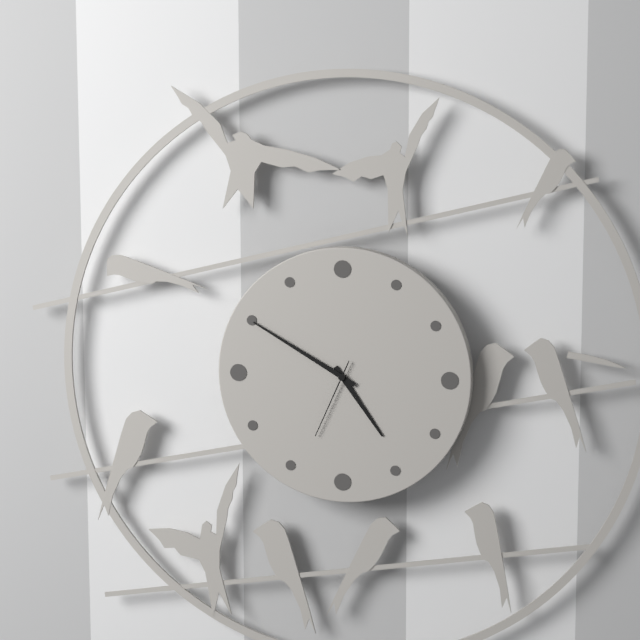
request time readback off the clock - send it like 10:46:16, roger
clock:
4:50:34
